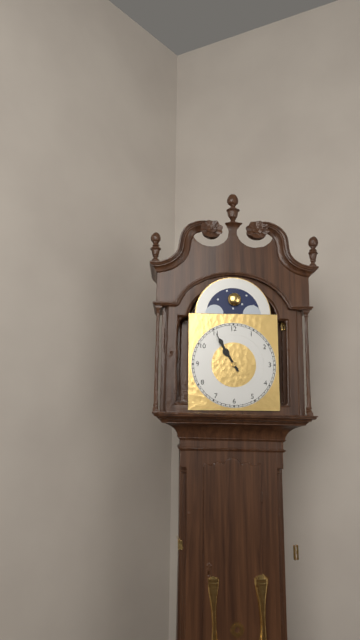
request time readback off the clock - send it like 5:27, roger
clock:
10:55
